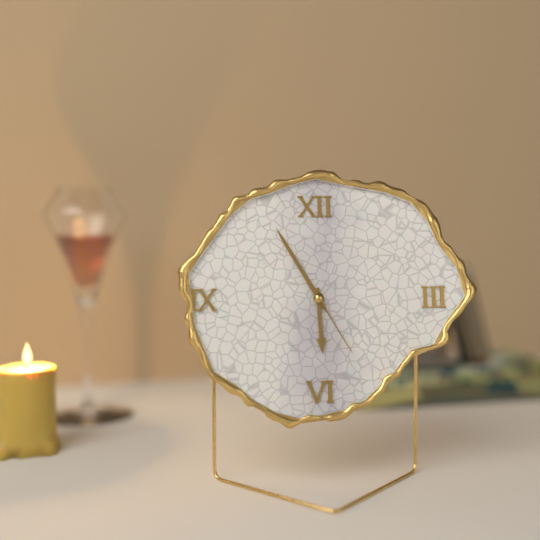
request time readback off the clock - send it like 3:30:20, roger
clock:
5:55:25
